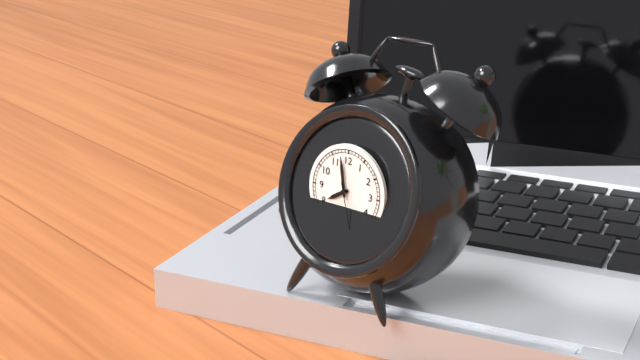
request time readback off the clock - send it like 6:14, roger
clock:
7:58
